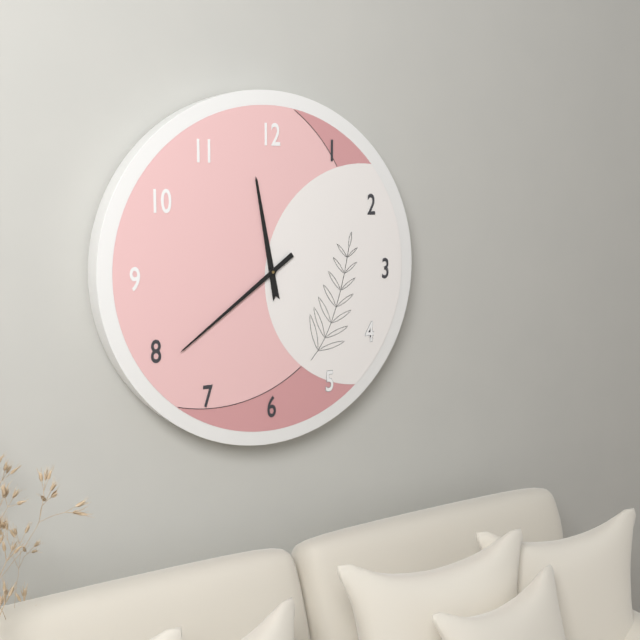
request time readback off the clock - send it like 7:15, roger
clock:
11:39
